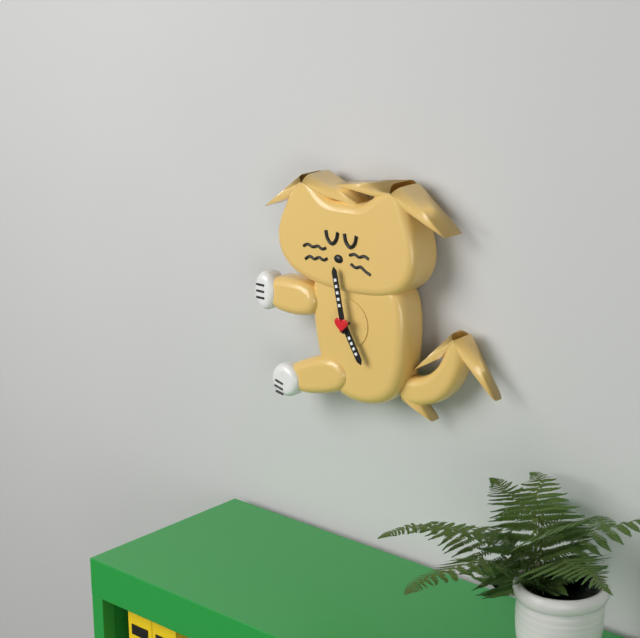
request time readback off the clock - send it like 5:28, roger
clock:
4:58
